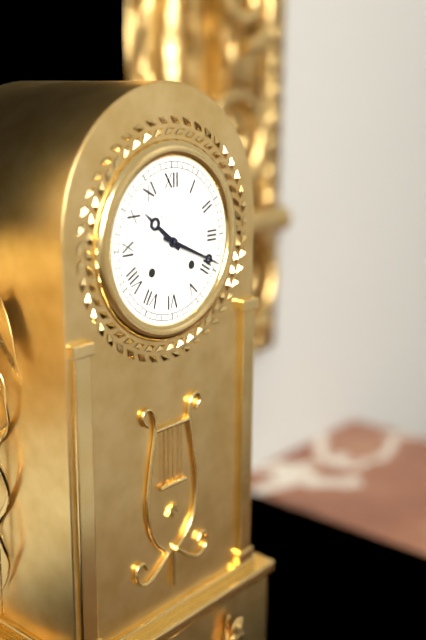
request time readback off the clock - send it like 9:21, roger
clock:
10:19
